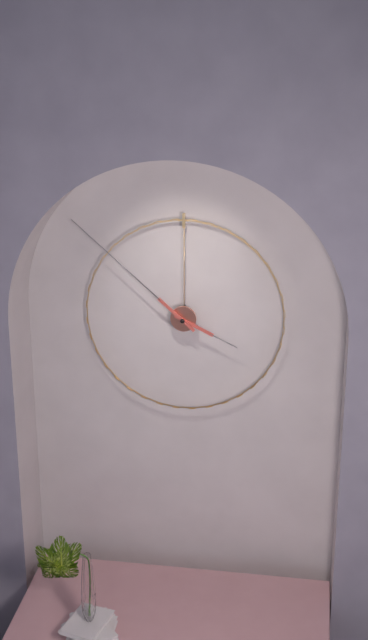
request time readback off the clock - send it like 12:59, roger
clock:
3:52
